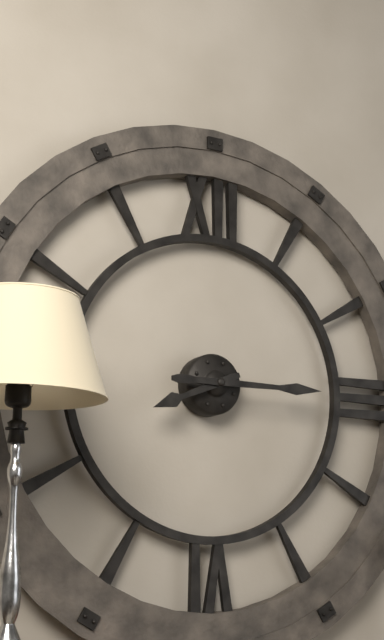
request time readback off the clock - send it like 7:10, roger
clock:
8:15
